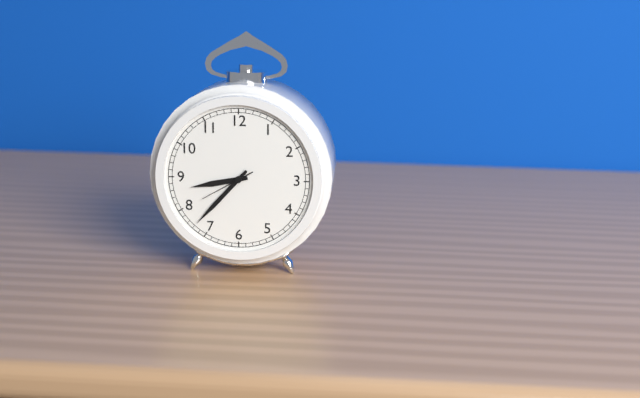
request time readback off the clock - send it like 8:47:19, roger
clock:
8:37:40
